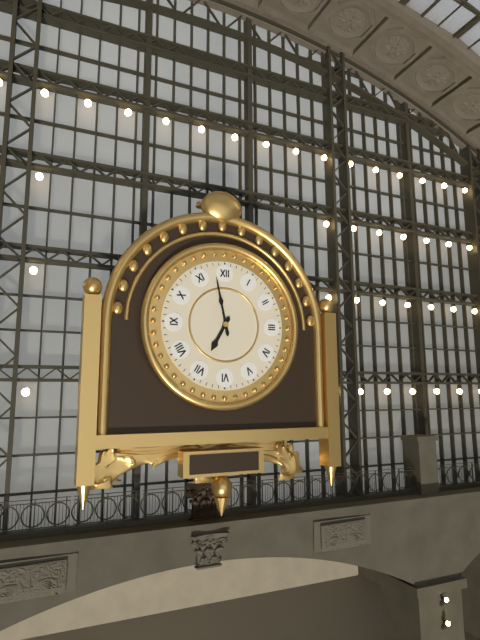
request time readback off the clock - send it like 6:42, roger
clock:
6:58
